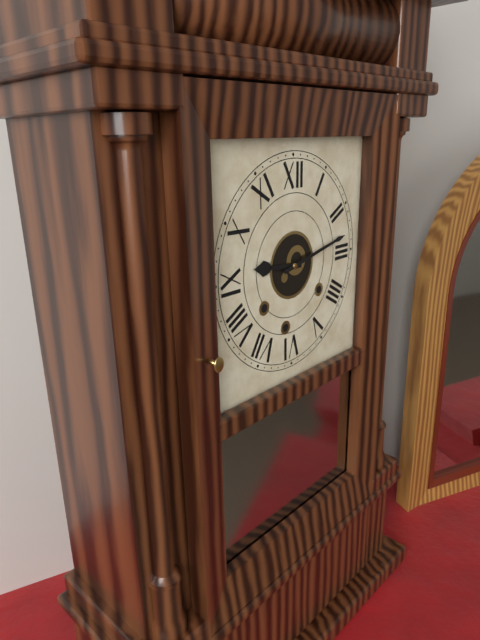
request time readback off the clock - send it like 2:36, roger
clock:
9:13
